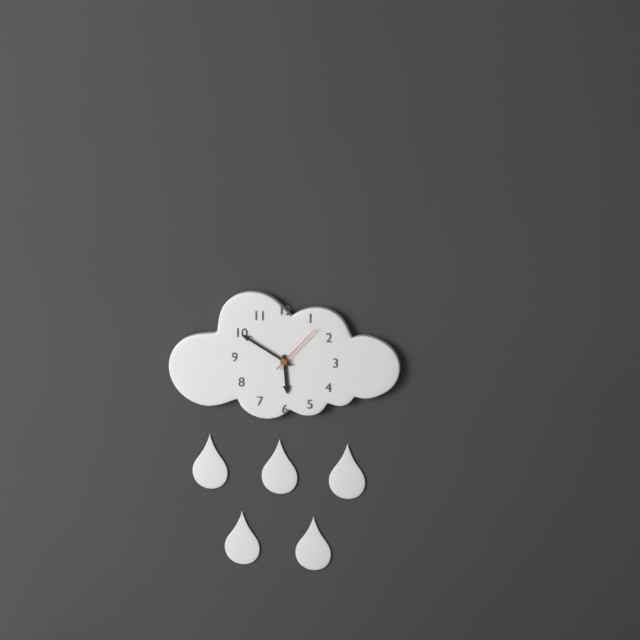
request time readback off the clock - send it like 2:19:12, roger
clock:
5:50:07
